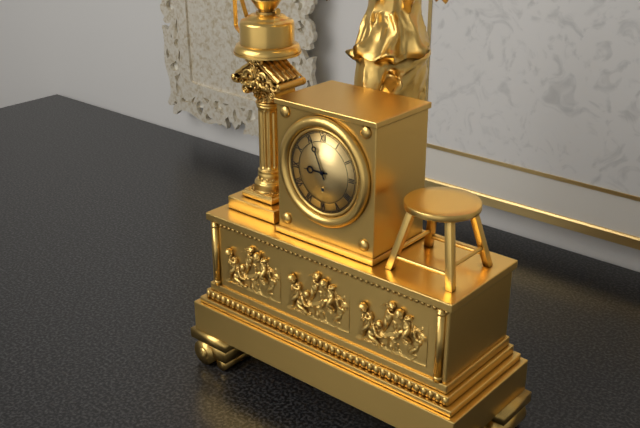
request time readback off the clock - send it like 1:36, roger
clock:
8:56
